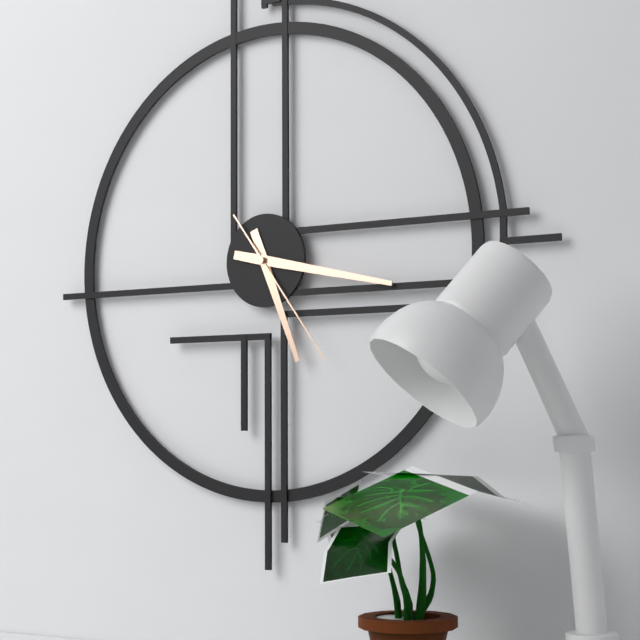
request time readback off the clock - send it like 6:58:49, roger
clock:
5:17:24
